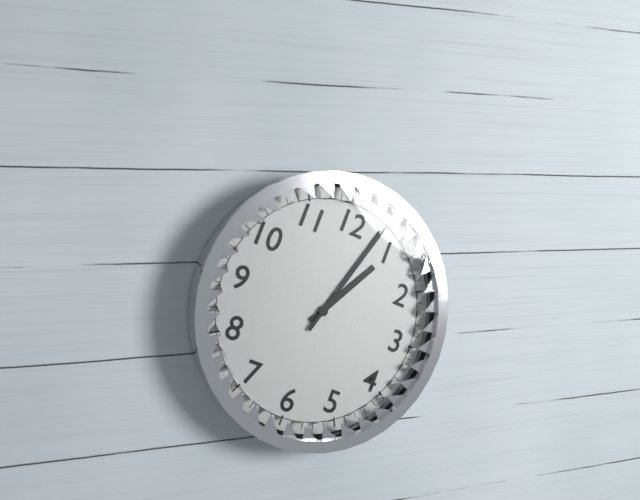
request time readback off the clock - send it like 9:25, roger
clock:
1:03
